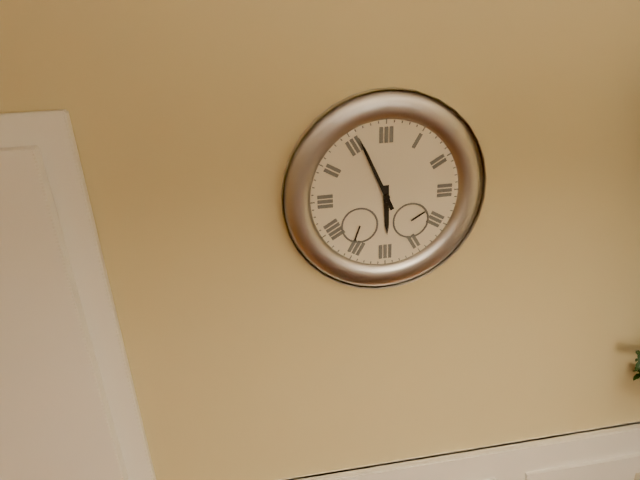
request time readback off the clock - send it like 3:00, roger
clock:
5:56
